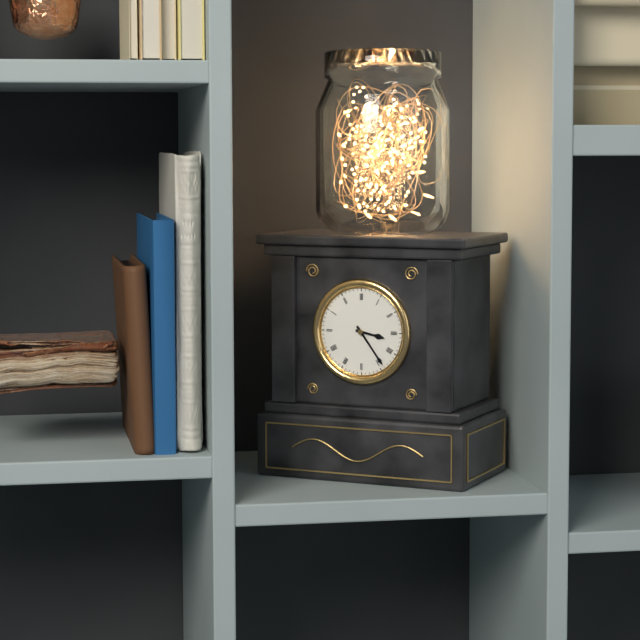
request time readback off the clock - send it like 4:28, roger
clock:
3:24
